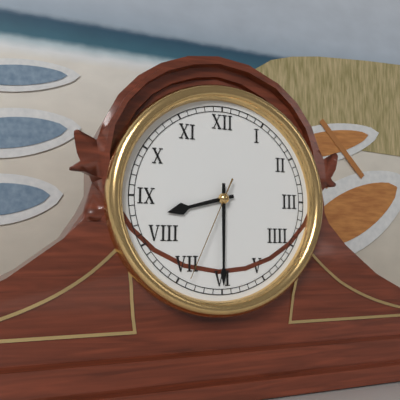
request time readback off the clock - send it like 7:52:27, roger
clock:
8:30:34
